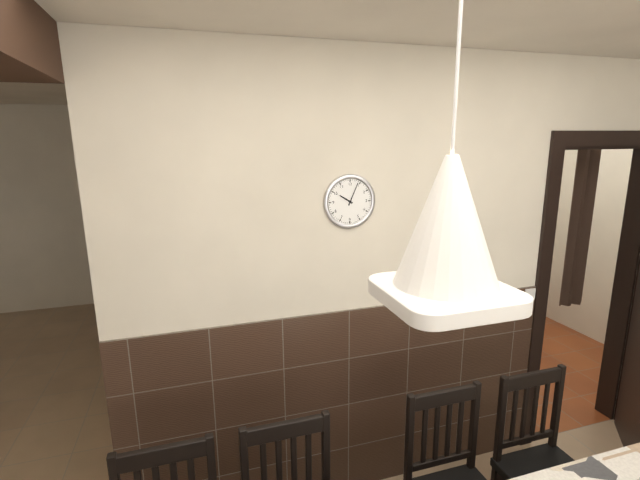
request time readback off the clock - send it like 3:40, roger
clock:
10:04
